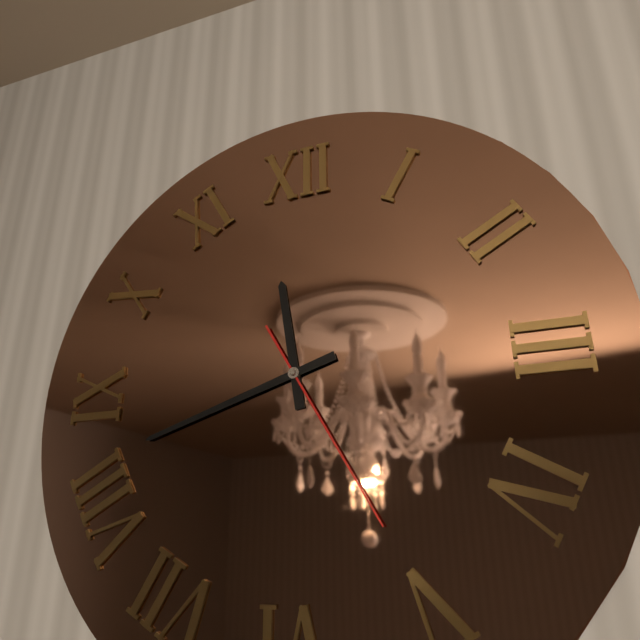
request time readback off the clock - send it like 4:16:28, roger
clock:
11:42:25
